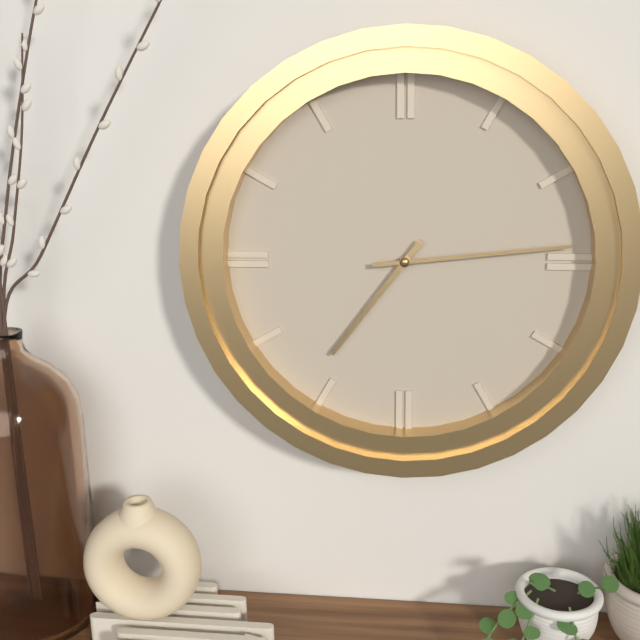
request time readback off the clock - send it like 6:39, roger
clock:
7:14
